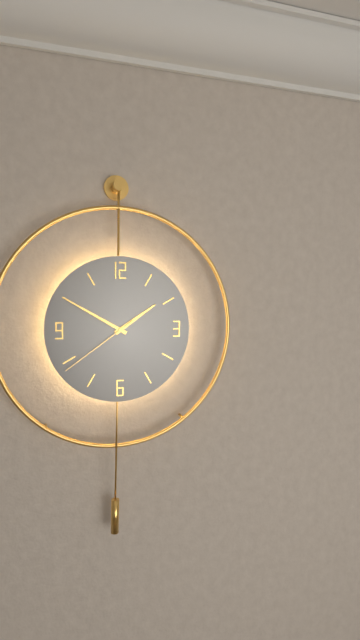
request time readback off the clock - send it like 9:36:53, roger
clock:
1:50:39
